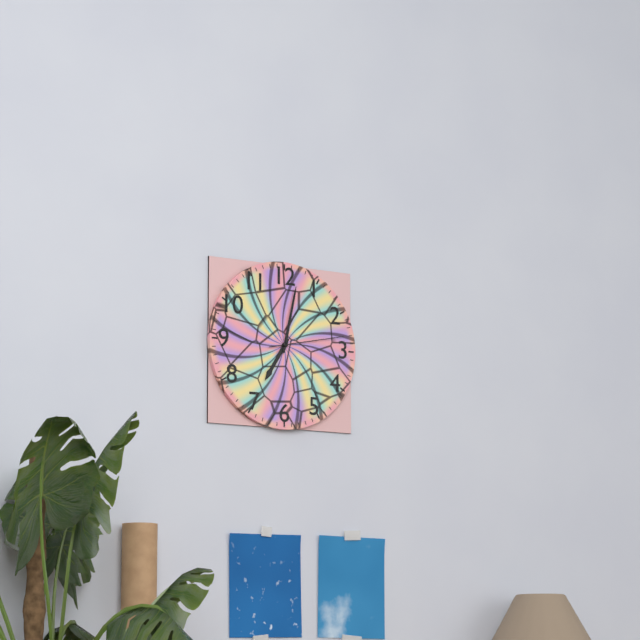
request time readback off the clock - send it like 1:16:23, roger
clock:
7:02:13
